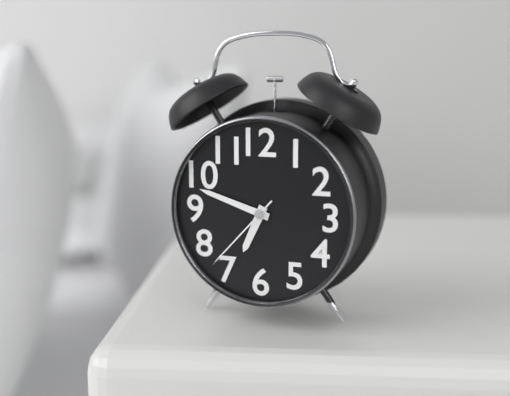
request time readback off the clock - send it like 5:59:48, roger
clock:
6:48:37
